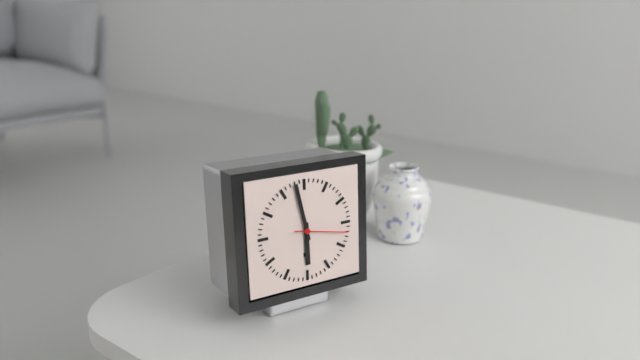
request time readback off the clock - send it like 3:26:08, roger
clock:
5:58:17
